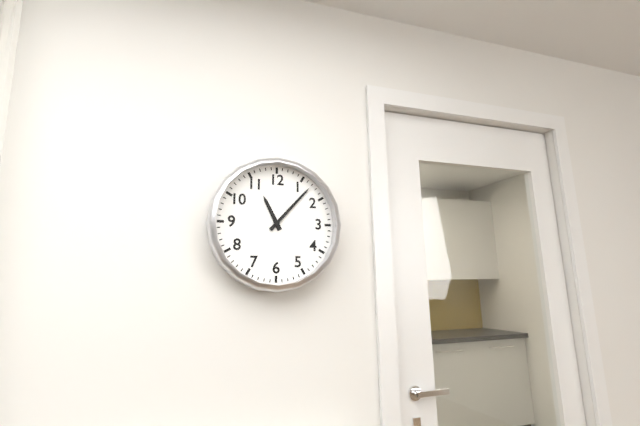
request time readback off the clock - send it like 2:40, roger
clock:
11:07
